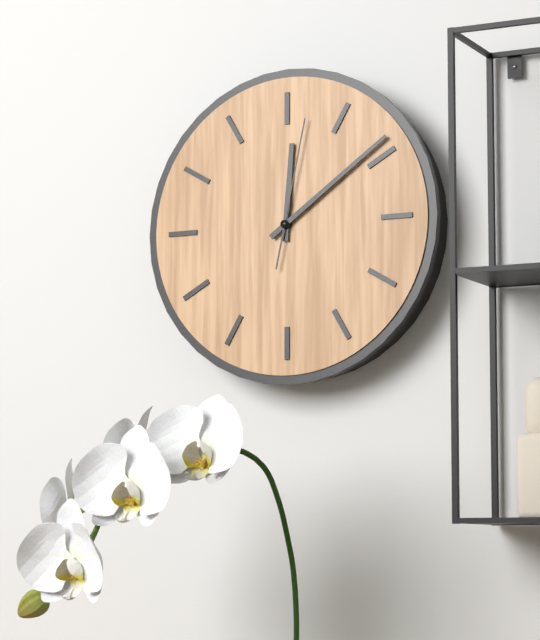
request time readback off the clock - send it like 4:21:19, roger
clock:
12:09:02
